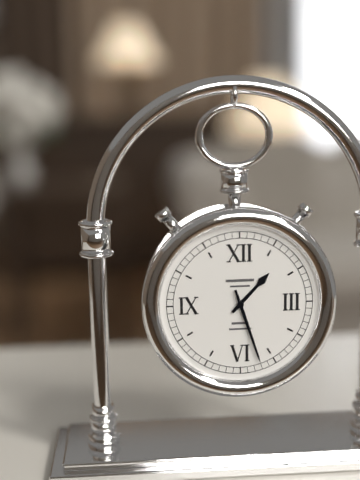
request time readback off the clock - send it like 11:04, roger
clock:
1:27
